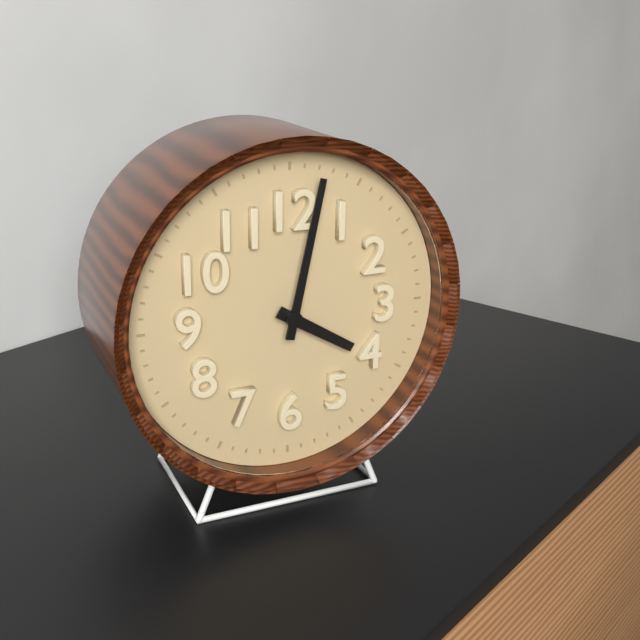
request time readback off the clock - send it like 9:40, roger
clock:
4:02
